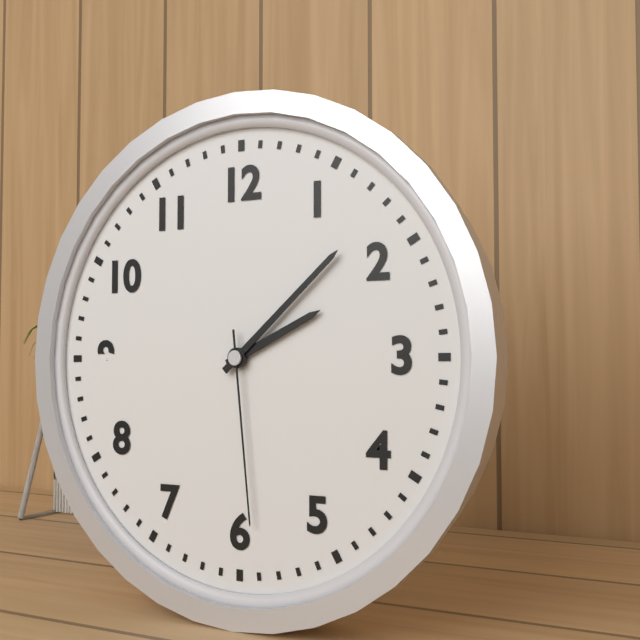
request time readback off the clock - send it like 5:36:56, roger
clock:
2:08:29
